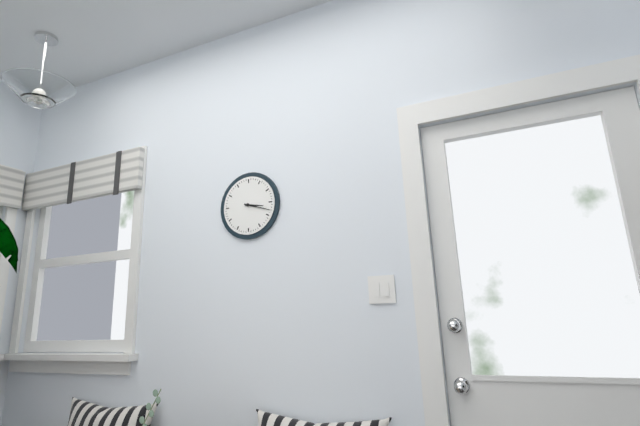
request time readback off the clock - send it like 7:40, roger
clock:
3:18
